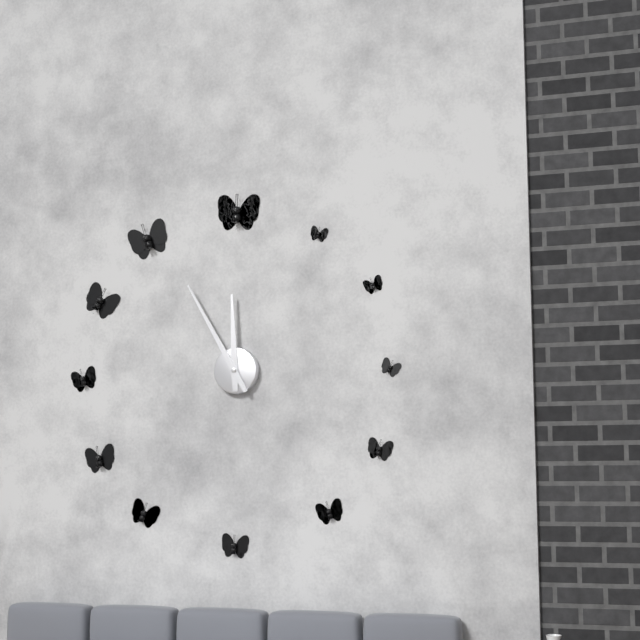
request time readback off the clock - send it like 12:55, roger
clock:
11:55
